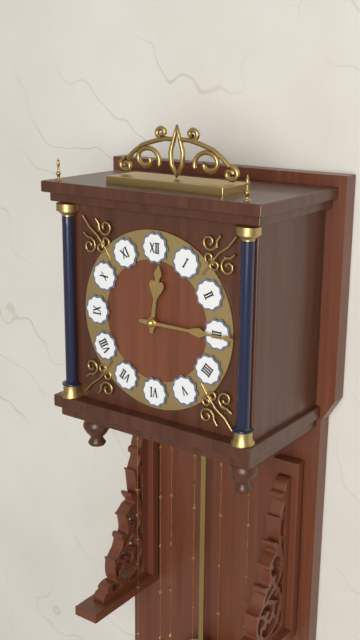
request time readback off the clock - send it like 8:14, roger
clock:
12:15
